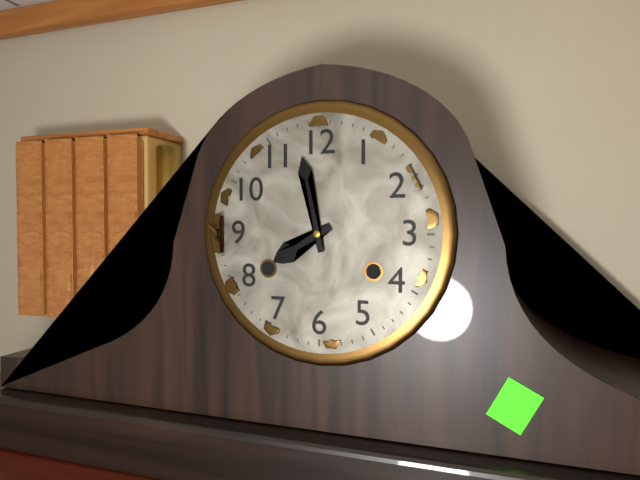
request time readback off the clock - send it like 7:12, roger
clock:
7:58
